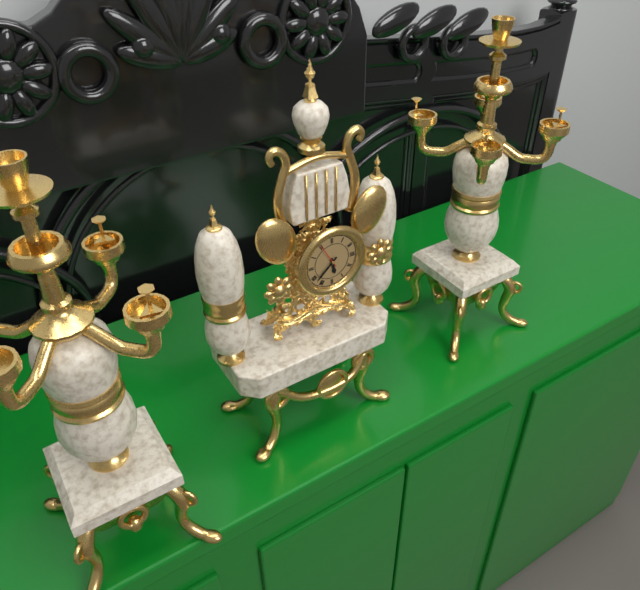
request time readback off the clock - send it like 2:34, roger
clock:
5:38
